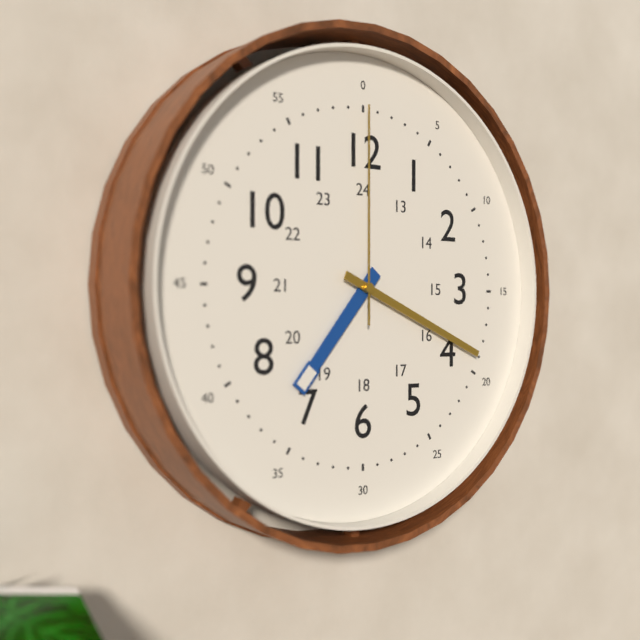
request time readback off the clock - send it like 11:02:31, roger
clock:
7:19:00
